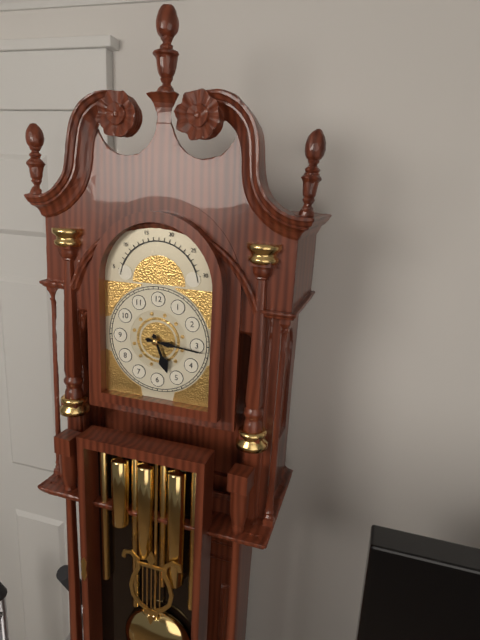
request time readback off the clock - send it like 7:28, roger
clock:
5:16
